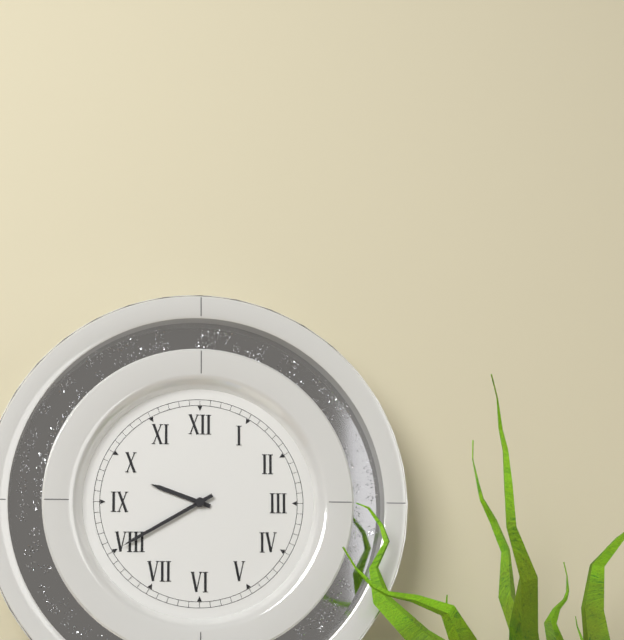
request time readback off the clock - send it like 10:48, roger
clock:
9:40
